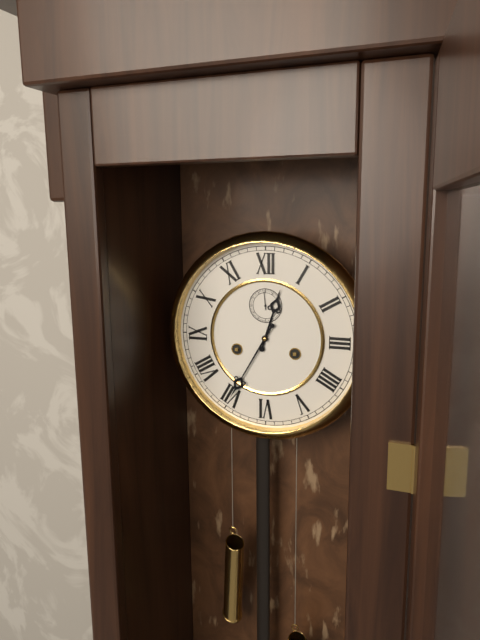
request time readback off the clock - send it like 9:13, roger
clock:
12:35
